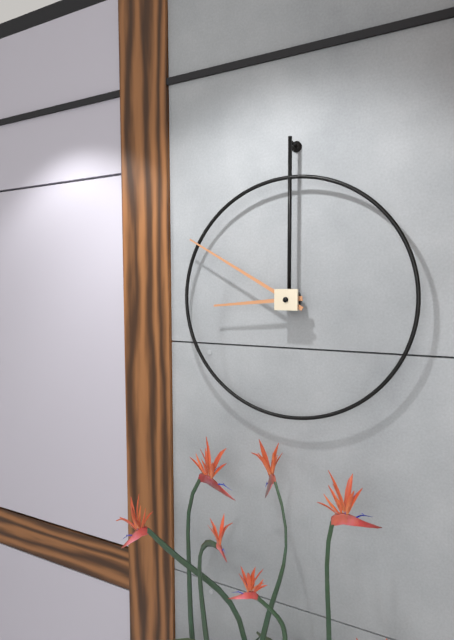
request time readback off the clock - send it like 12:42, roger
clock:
8:50
